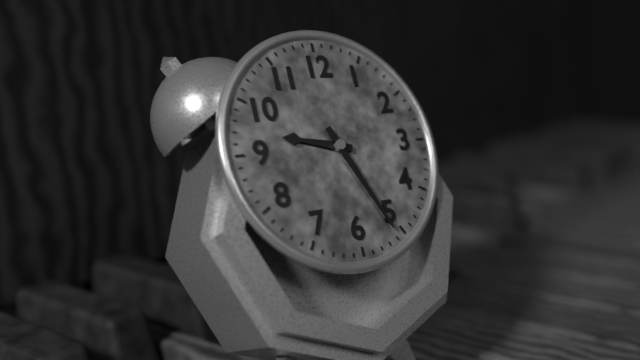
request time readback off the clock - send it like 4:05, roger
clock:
9:26
